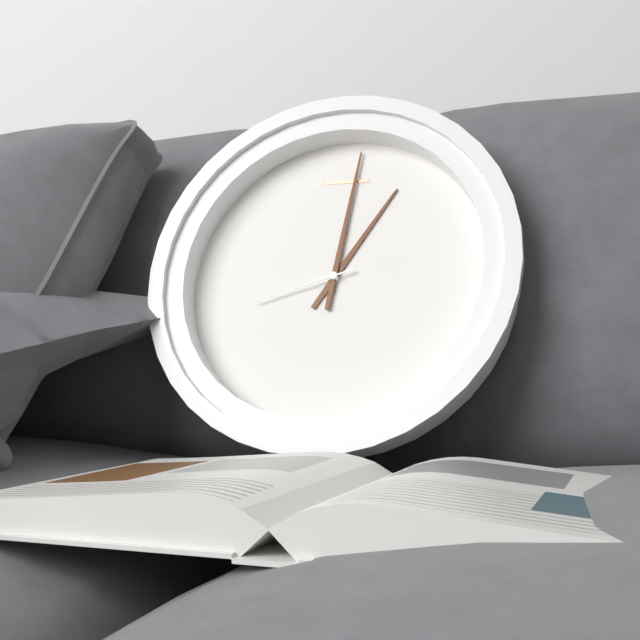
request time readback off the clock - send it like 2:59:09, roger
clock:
1:01:42
